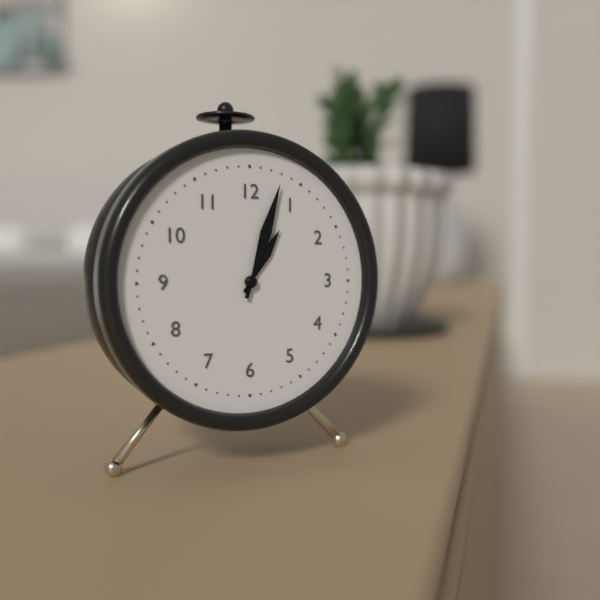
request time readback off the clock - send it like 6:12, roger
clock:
1:03
